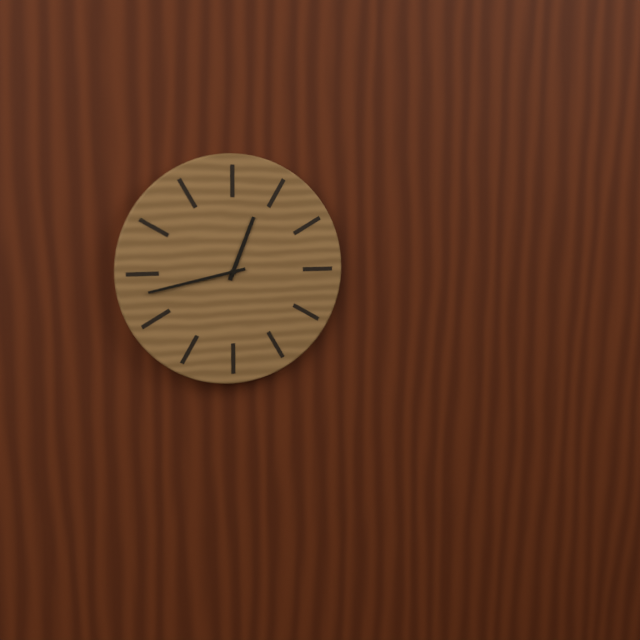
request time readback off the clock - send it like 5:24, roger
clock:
12:43
